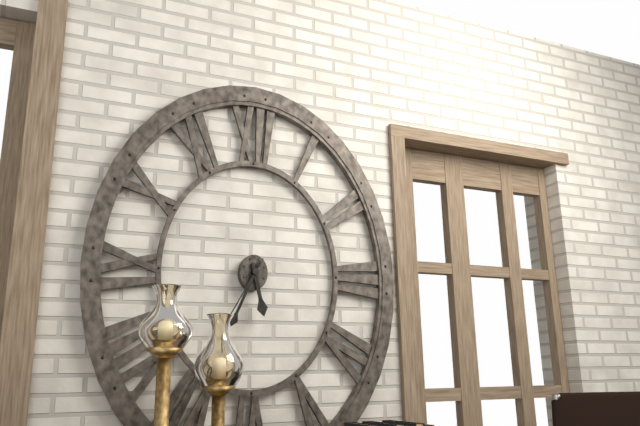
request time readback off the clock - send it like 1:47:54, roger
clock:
5:34:35
